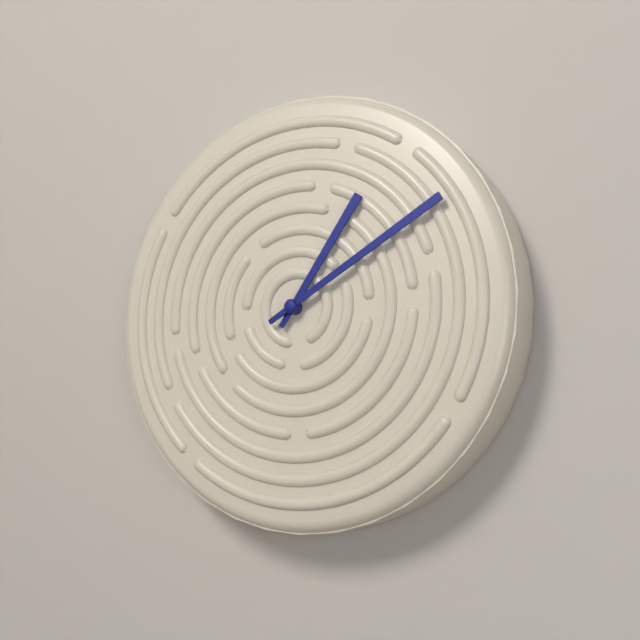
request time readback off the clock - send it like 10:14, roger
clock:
1:10
